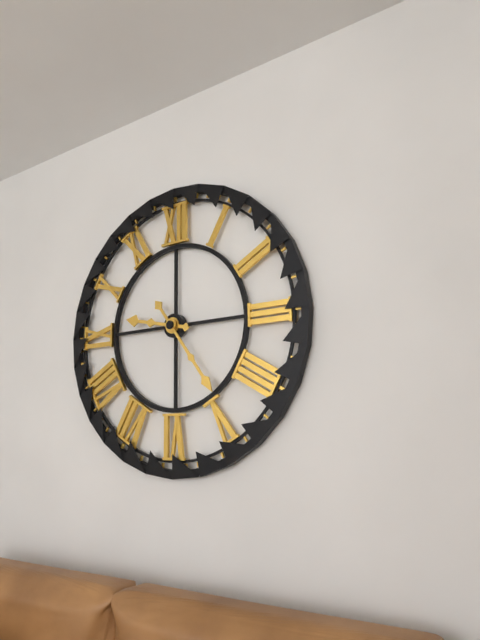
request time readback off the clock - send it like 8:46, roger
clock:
9:24
